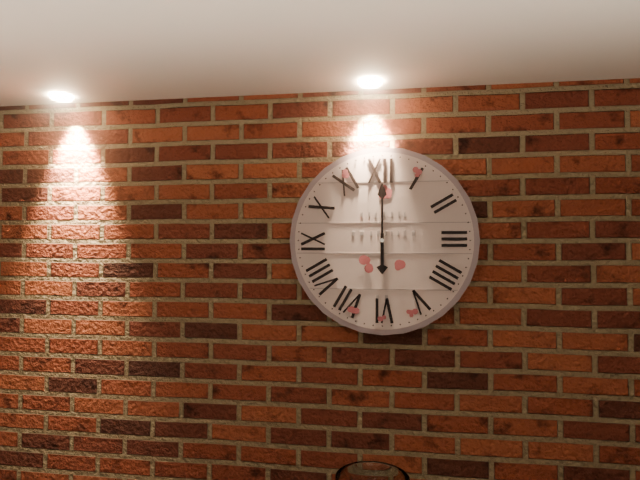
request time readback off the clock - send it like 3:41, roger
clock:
6:00
